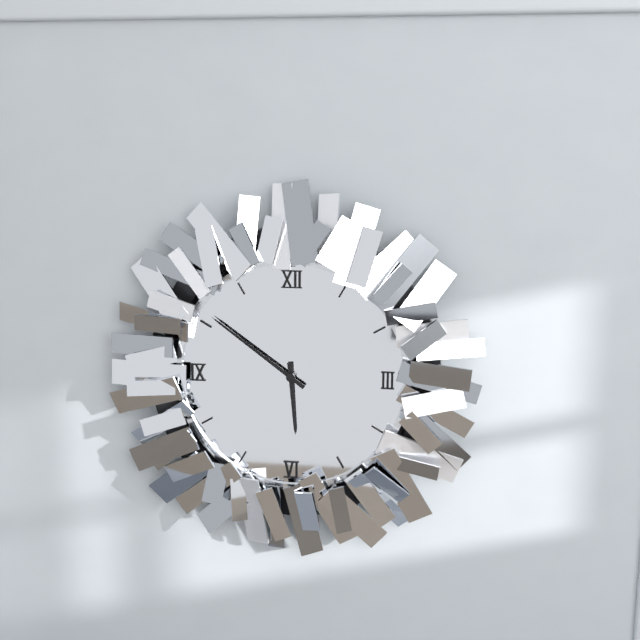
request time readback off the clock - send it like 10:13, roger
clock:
5:51
